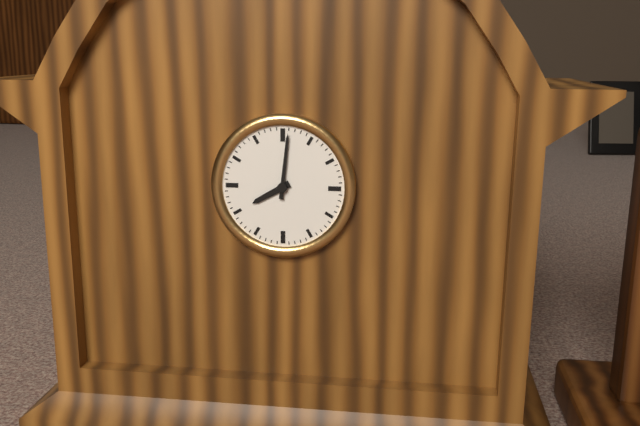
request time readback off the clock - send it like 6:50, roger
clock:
8:01
